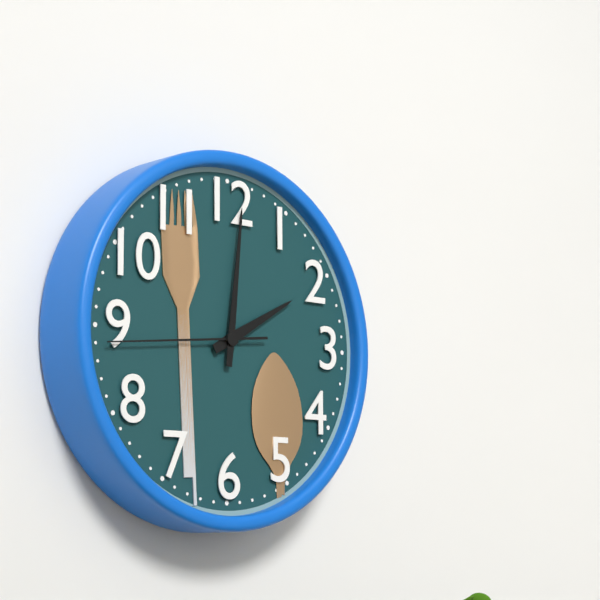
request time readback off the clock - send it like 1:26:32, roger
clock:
2:01:44
